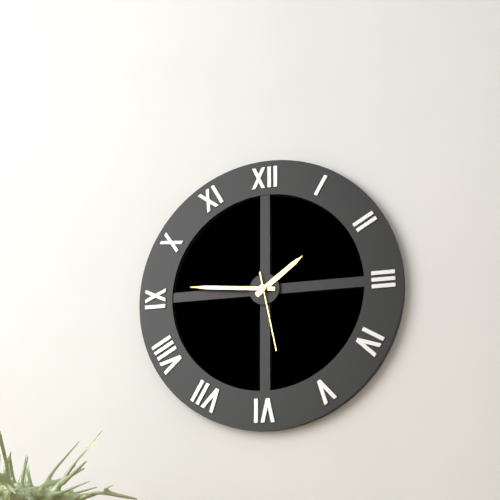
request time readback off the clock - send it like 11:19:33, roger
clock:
1:46:28
